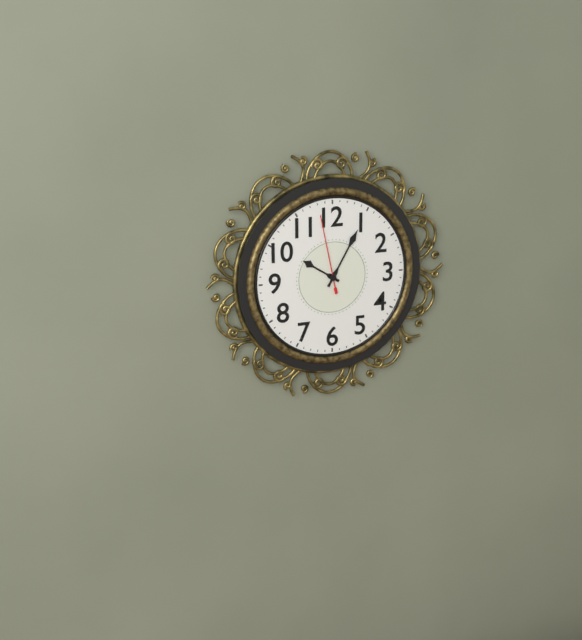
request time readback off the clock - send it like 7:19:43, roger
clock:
10:05:58
